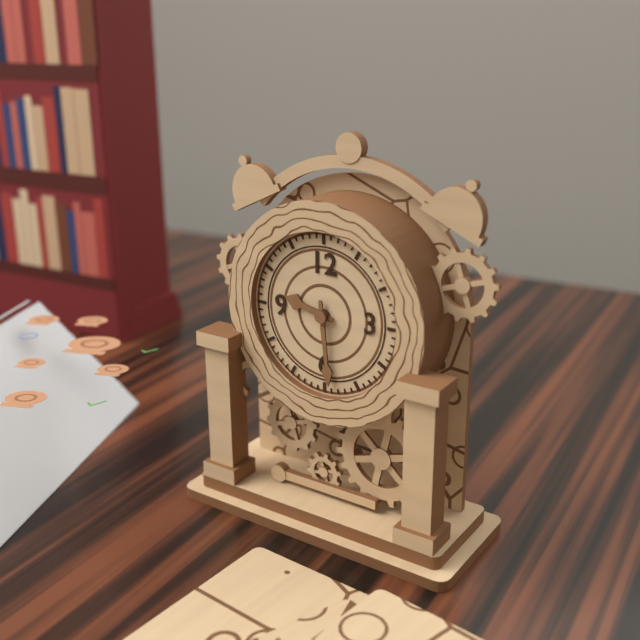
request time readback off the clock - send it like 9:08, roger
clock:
9:29
